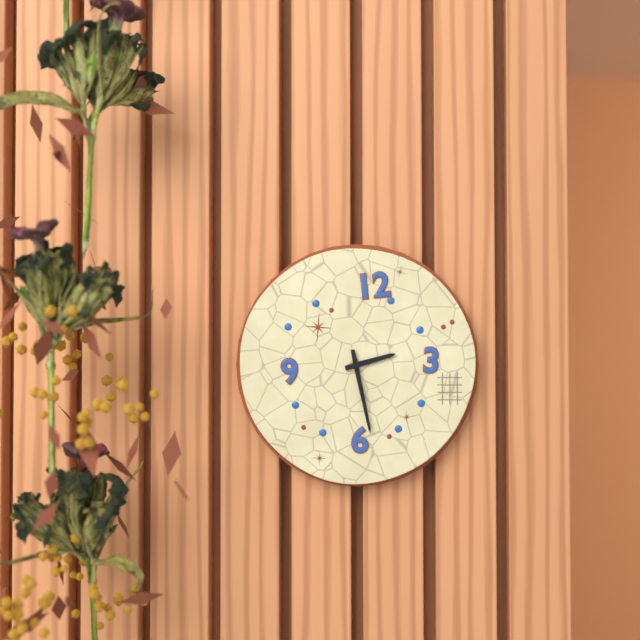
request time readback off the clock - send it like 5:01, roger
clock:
2:28
